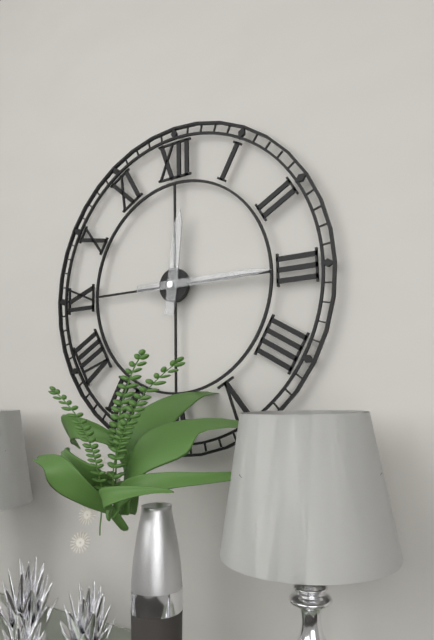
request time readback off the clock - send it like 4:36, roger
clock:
12:15
